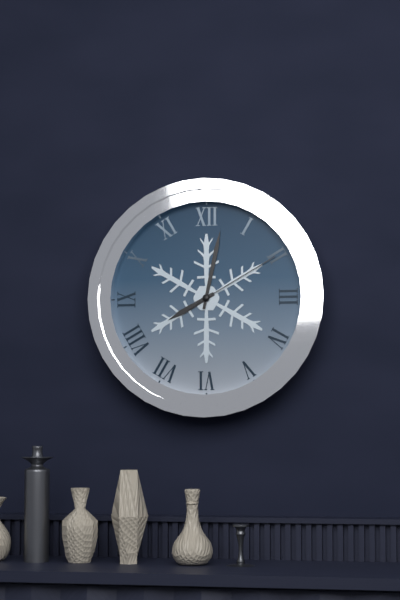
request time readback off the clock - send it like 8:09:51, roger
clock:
8:02:10
